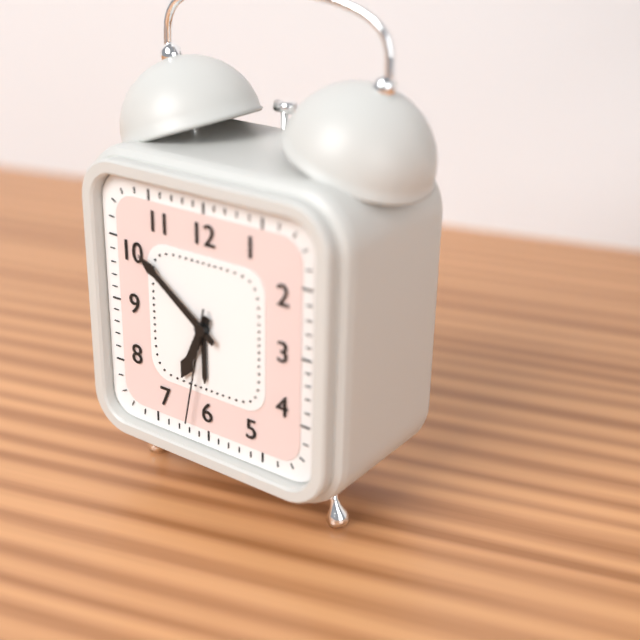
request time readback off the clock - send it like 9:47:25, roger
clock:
6:51:32
